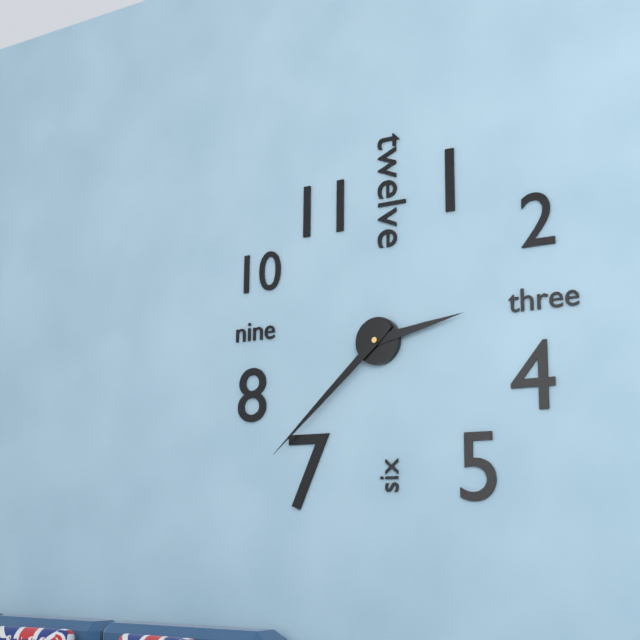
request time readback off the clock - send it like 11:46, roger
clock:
2:38
